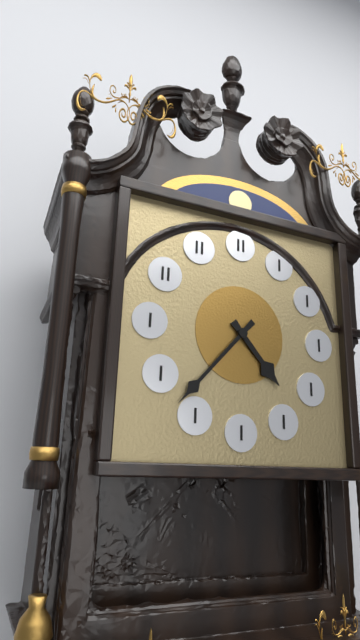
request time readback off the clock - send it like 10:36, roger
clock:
4:37
